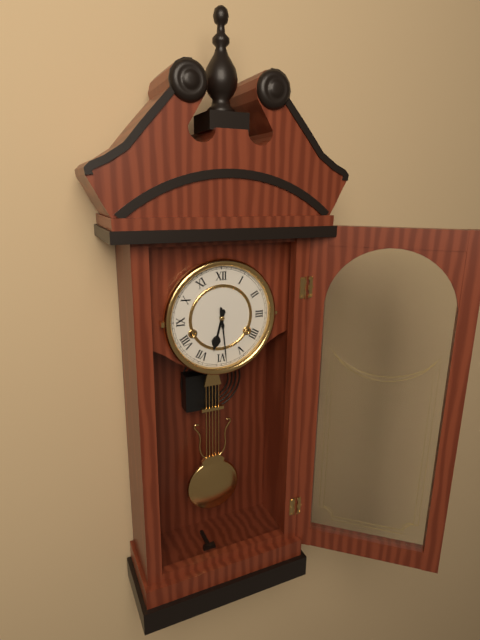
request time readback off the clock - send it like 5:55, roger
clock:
6:29
